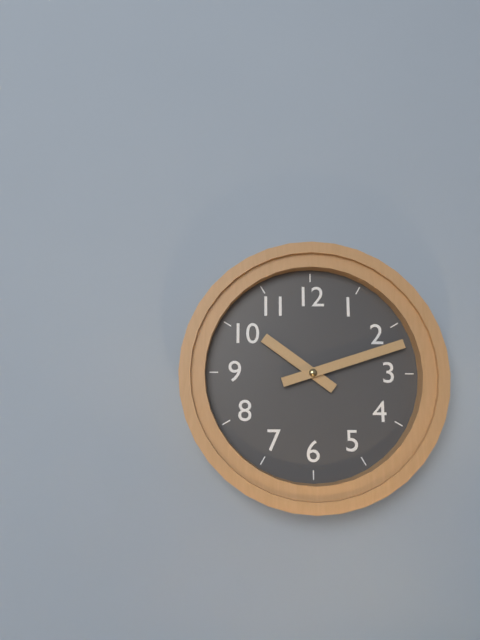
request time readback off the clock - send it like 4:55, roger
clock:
10:12
